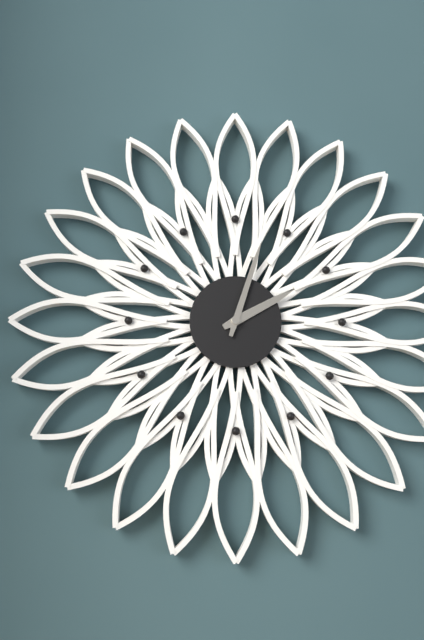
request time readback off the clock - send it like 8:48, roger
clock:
2:03
